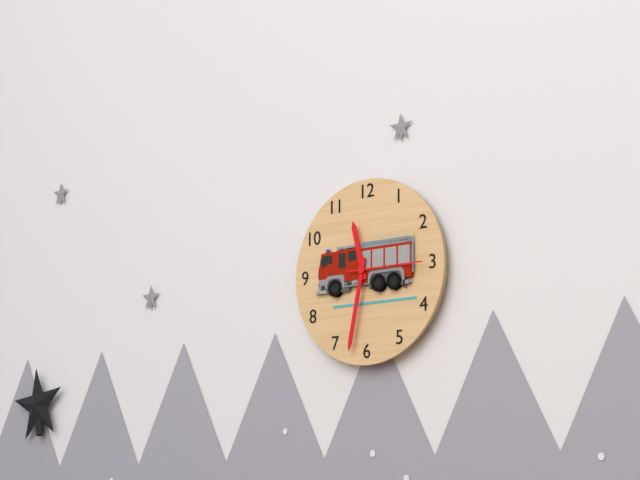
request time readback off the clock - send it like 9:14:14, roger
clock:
11:32:15
